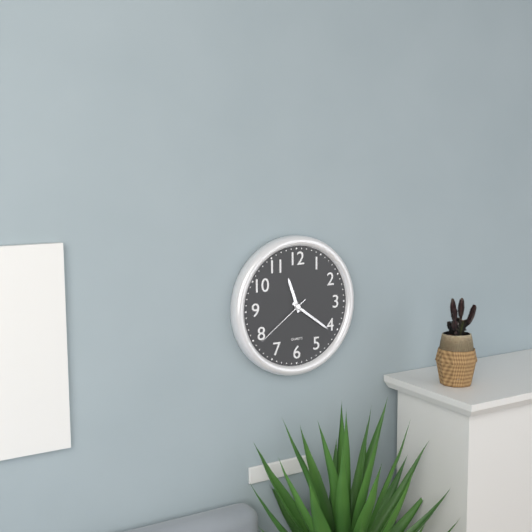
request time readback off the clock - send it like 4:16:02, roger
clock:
11:21:39
